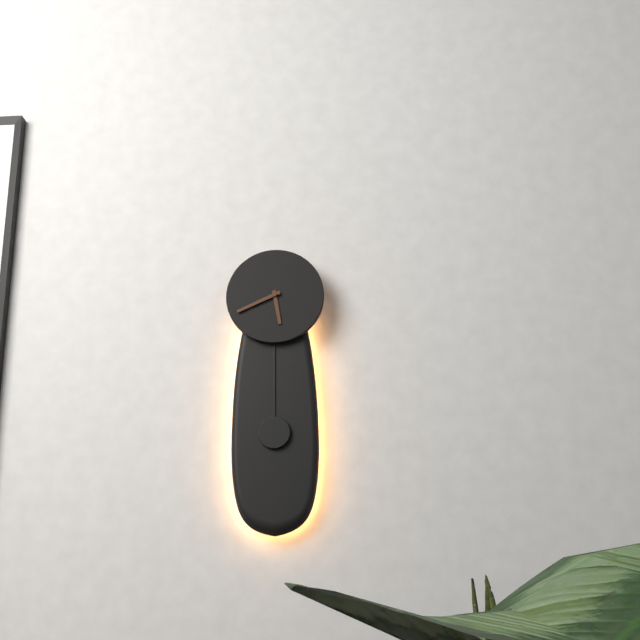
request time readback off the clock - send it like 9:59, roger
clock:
5:41
